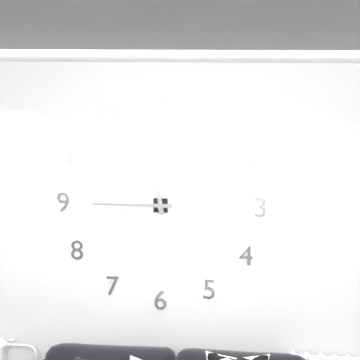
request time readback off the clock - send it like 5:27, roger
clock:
11:45
